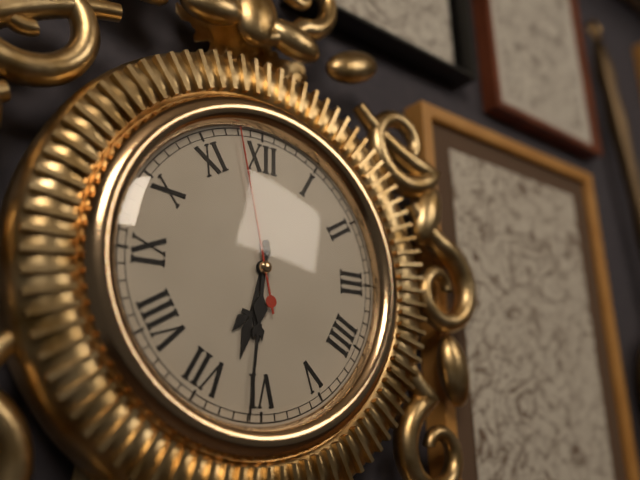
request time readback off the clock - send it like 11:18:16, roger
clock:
6:31:58
